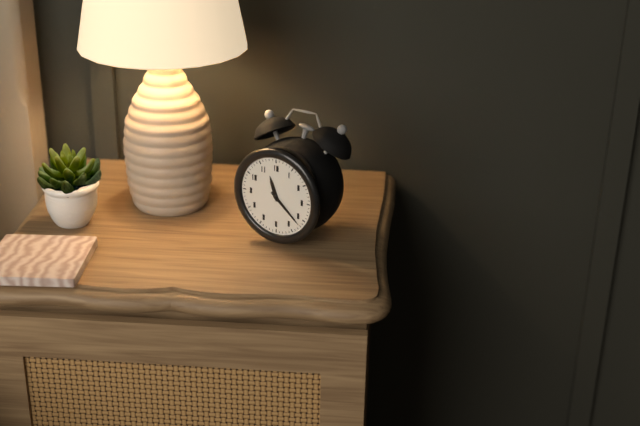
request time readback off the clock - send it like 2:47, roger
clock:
11:22
